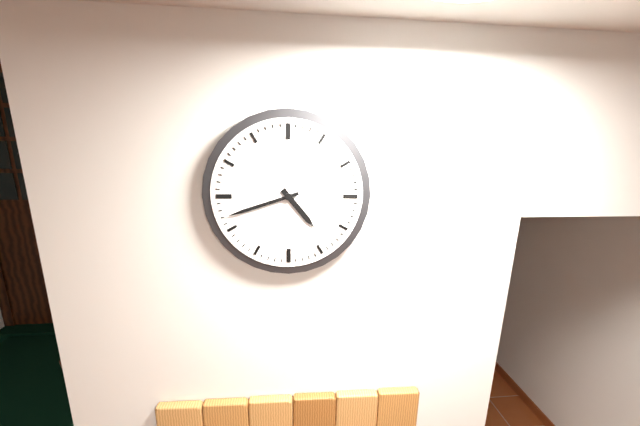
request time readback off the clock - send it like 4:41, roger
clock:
4:42
